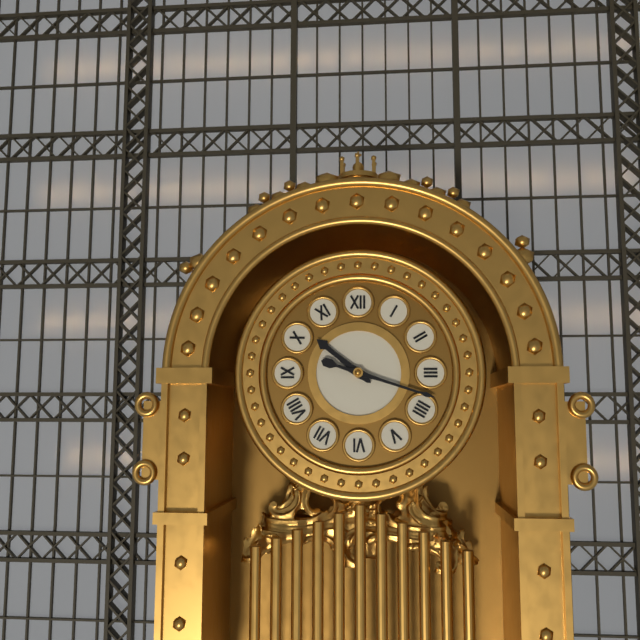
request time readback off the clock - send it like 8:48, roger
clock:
10:18
